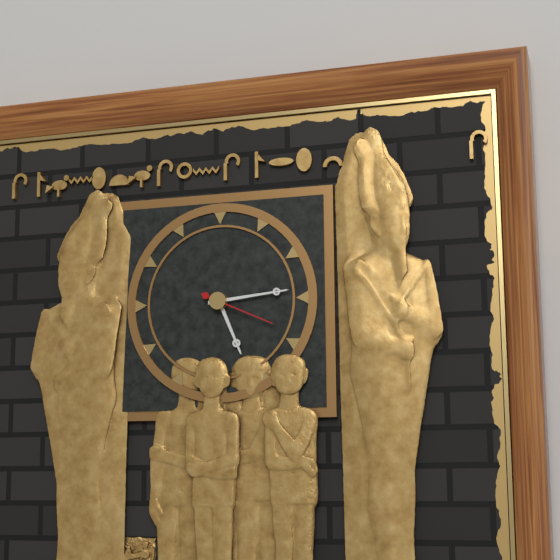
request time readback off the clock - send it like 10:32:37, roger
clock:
5:14:19
